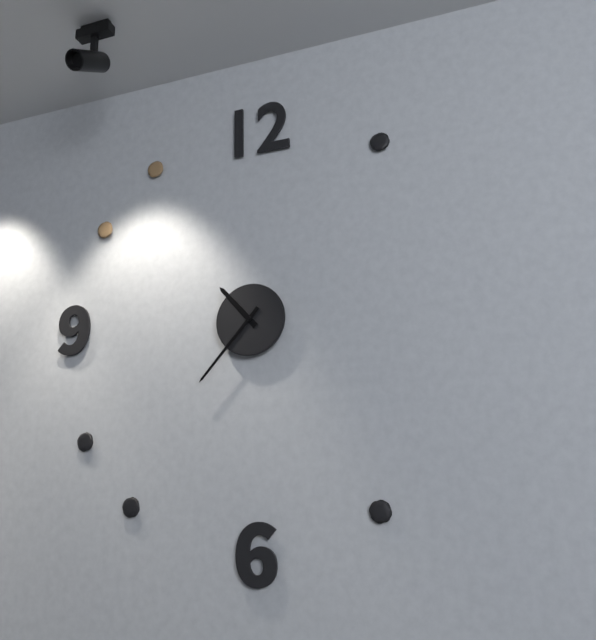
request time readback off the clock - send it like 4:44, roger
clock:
10:37
